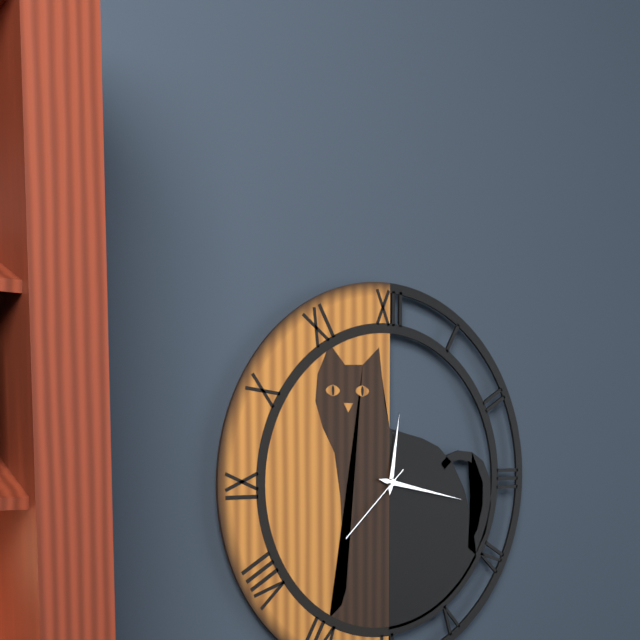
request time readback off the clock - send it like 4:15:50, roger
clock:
12:17:38
